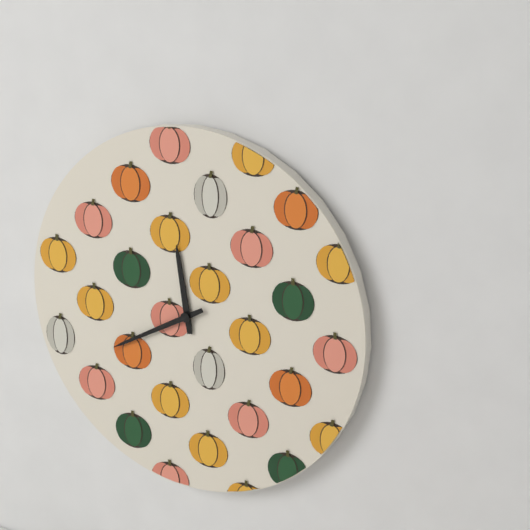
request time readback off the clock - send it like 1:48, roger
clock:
11:40
